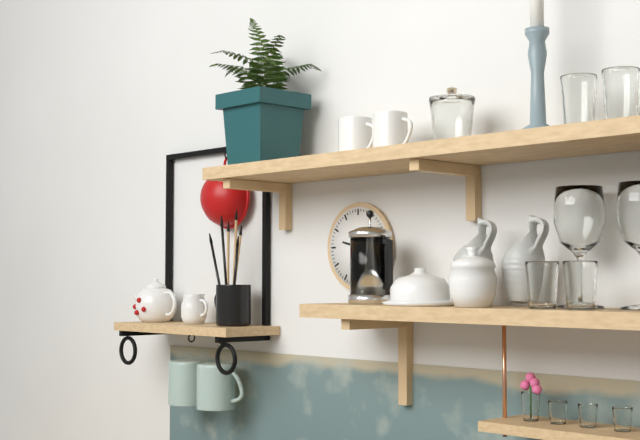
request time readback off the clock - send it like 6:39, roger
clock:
9:28
